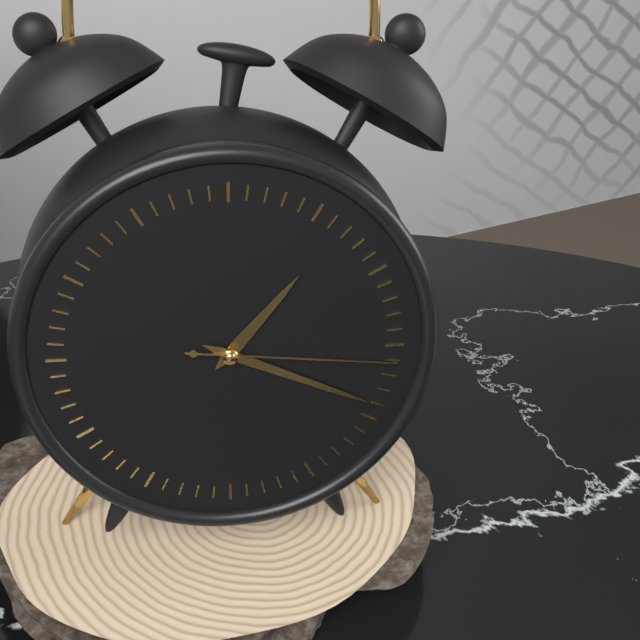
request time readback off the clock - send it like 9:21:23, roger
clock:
1:19:16
